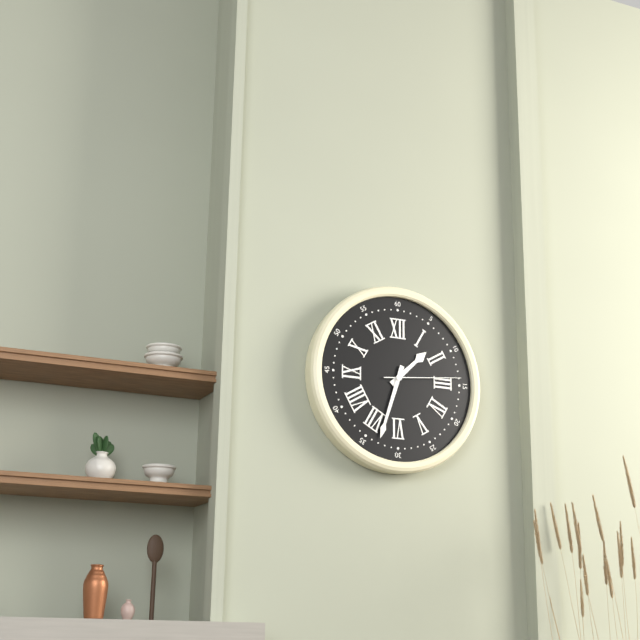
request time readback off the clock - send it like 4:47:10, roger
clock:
1:33:14
